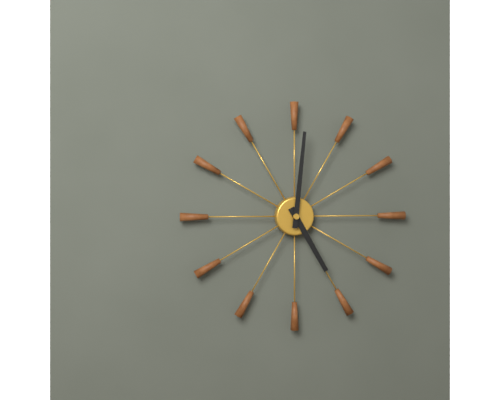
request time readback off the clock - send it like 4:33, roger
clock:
5:01
